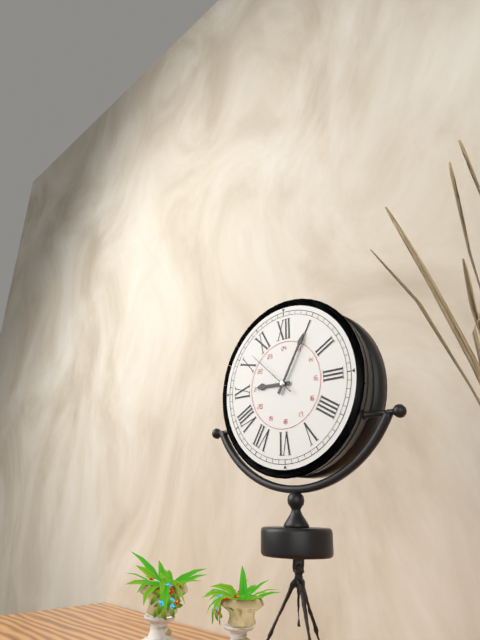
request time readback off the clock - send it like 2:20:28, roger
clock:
9:05:52
